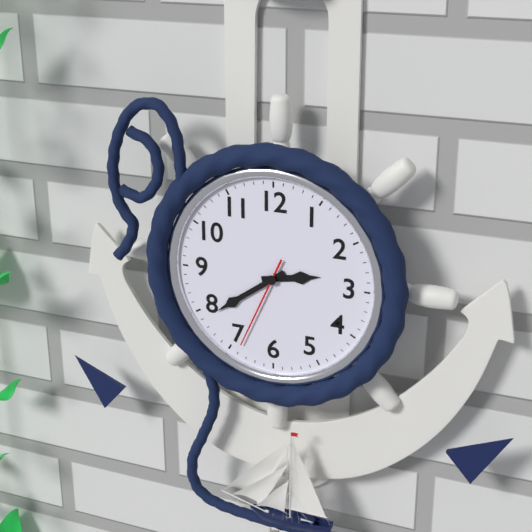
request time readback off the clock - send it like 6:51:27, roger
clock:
2:39:34
